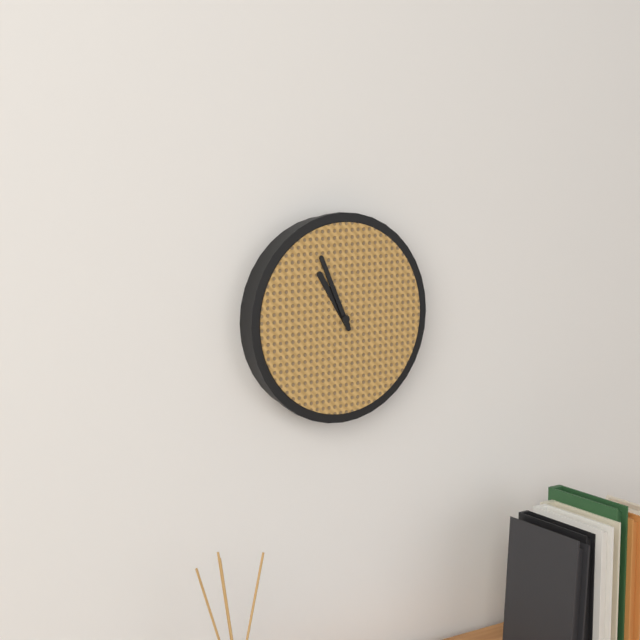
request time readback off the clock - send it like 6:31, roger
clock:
10:56
